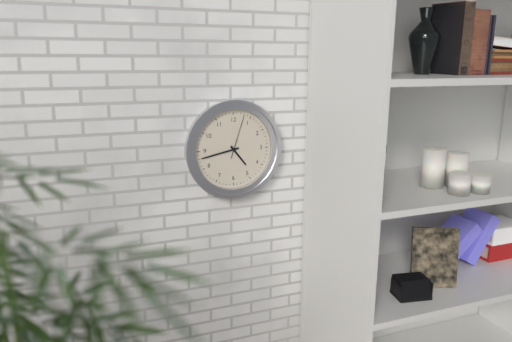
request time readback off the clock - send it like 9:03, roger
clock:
4:43
